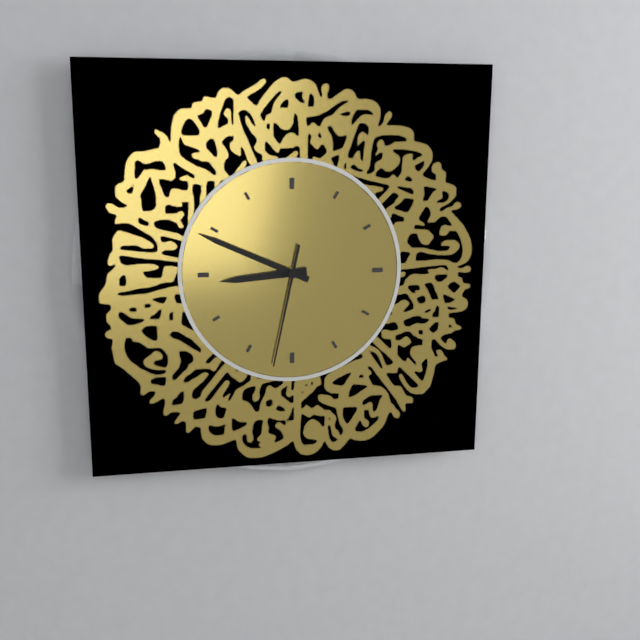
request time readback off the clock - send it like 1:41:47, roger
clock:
8:49:32
